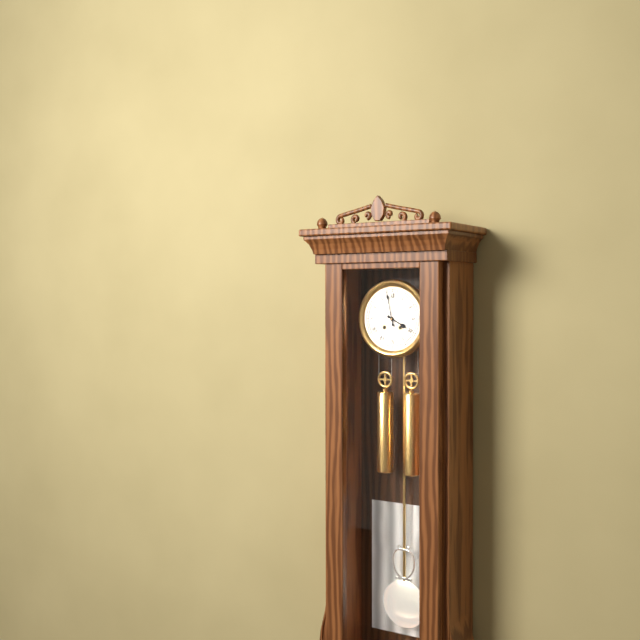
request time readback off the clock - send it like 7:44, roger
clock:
3:58
